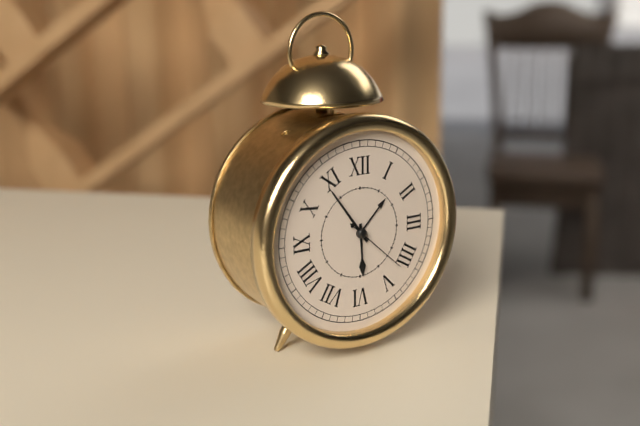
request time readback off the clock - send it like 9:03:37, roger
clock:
5:54:22
